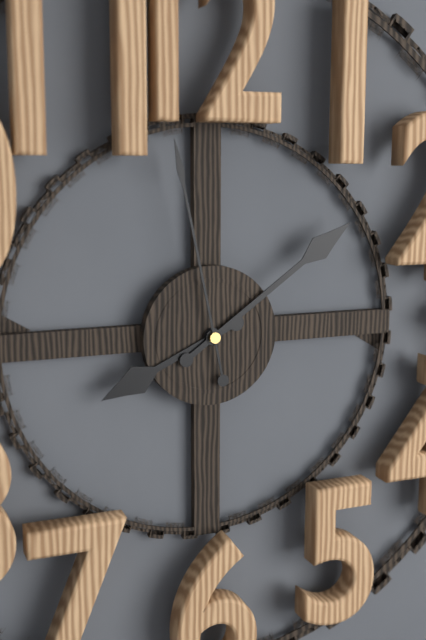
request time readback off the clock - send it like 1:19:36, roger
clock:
8:09:58
